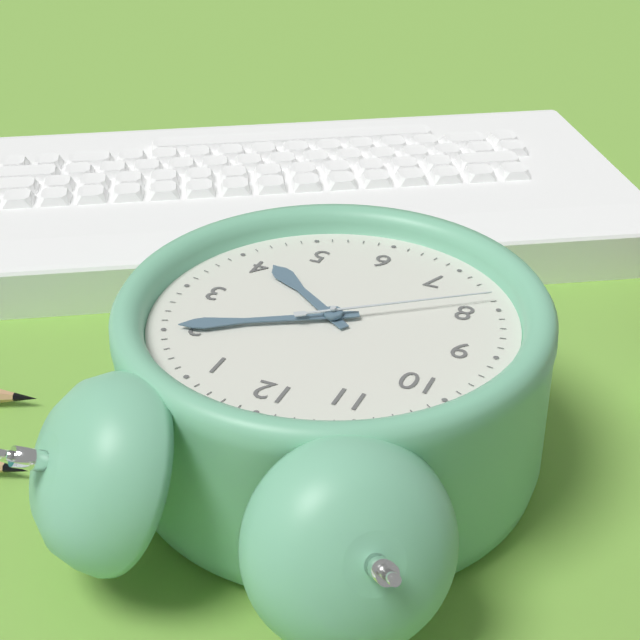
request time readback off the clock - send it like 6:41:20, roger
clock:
4:10:39
